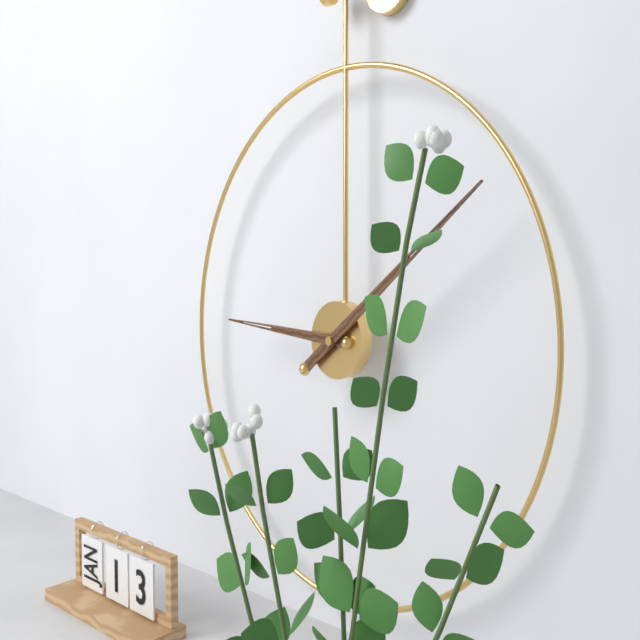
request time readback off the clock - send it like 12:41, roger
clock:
9:09
